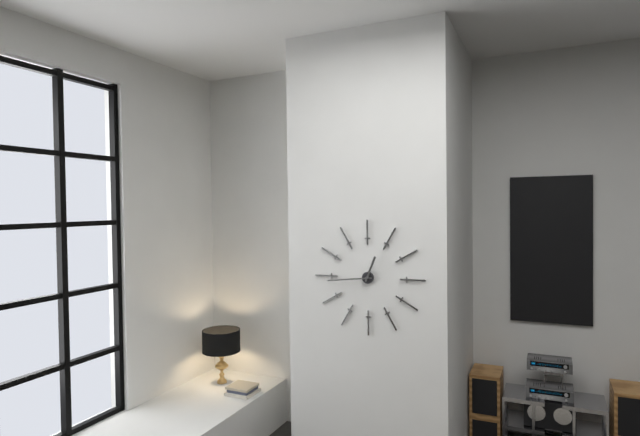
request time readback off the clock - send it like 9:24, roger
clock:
12:44
